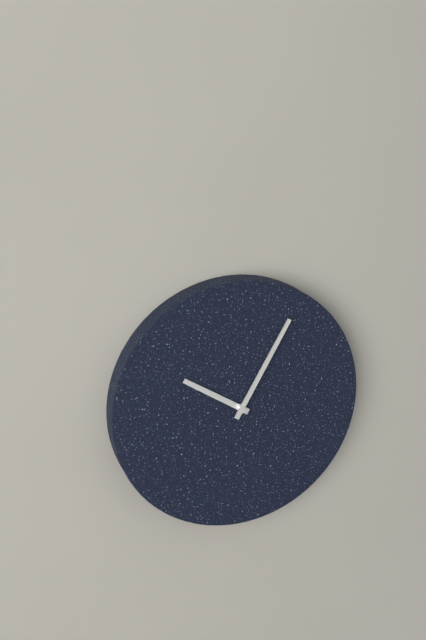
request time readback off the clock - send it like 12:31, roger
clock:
10:05
